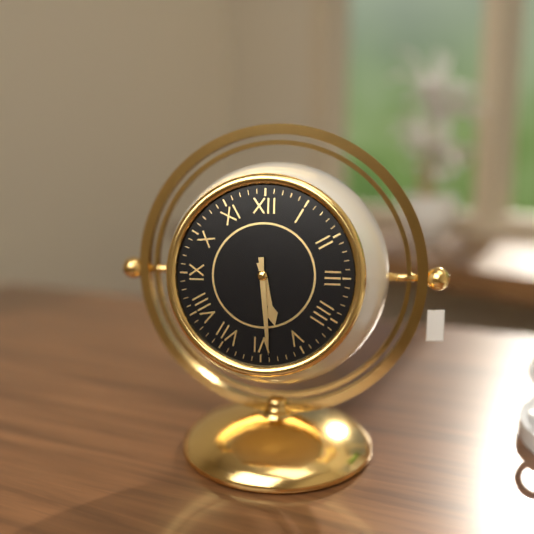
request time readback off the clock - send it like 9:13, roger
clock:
5:29
